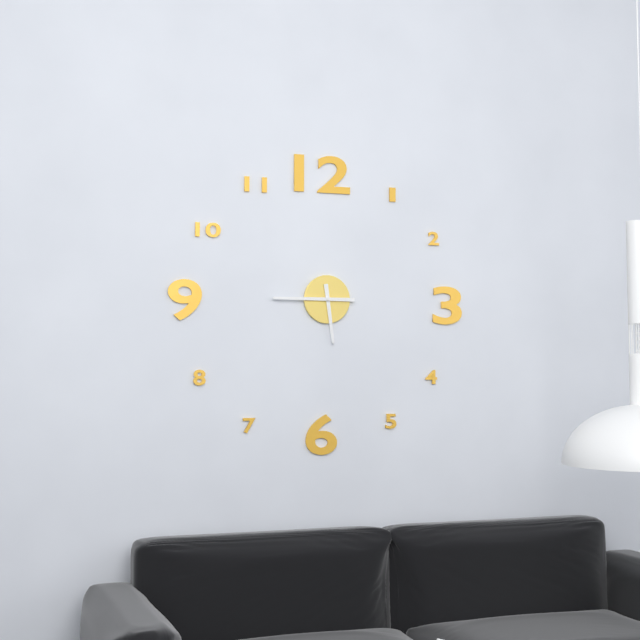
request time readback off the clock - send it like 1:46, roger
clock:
5:45
